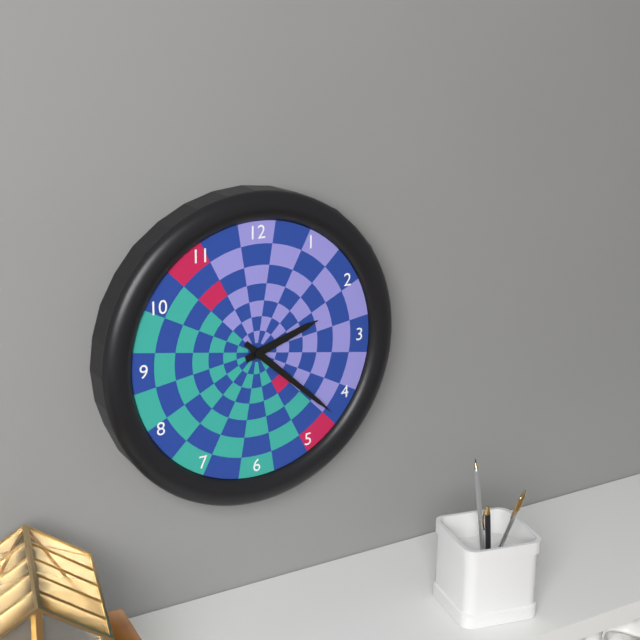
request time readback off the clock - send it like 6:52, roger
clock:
2:22
